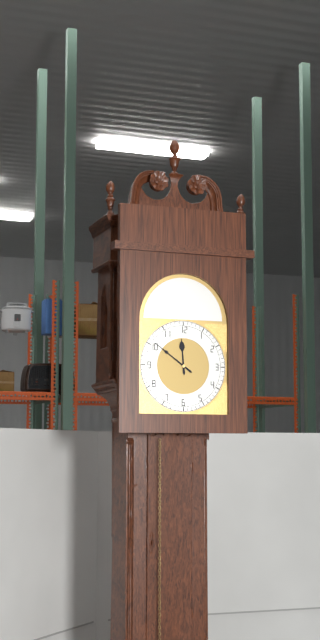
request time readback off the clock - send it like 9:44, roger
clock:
11:51
